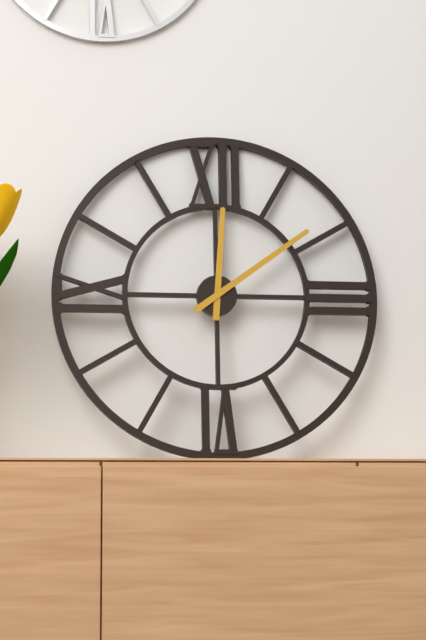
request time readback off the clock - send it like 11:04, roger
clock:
12:09
